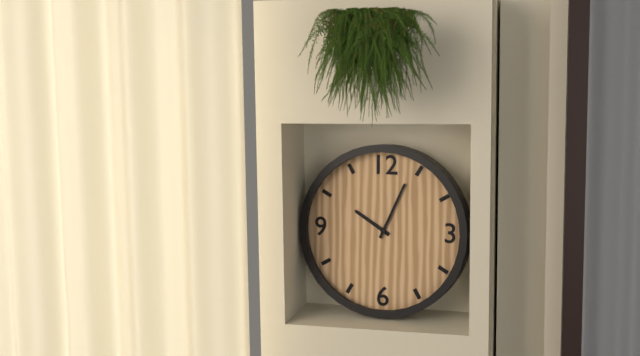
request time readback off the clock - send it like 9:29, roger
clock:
10:04
